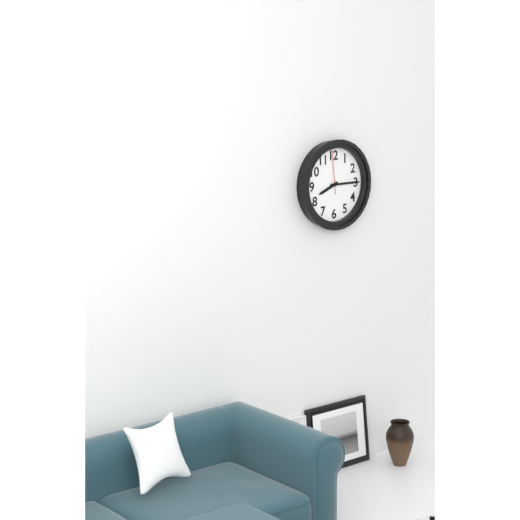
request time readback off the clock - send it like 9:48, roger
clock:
8:15
